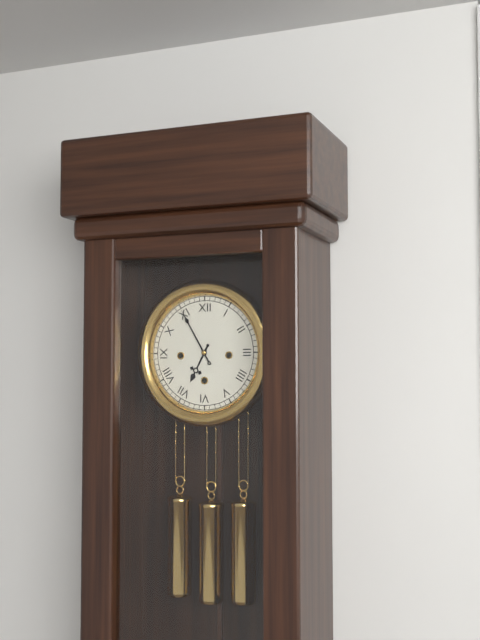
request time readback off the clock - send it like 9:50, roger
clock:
6:55
